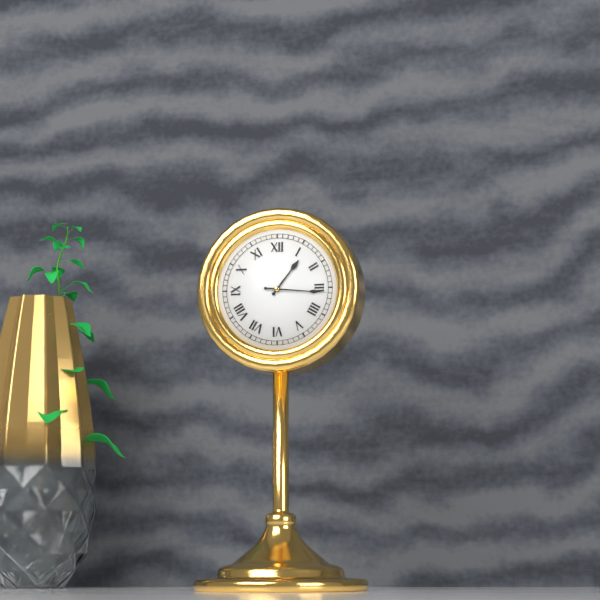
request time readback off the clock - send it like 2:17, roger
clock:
1:16
